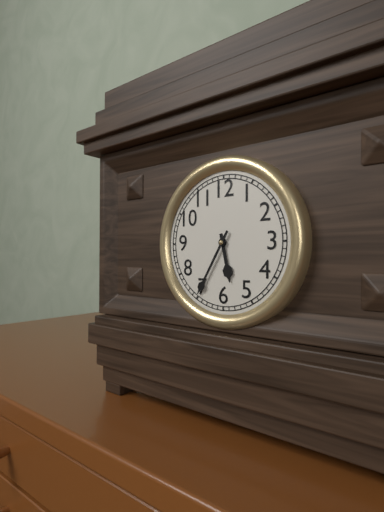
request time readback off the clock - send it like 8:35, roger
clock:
5:35
